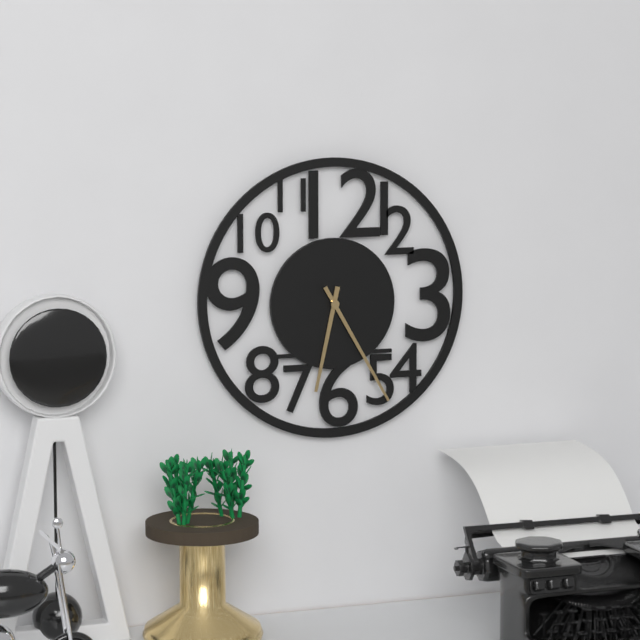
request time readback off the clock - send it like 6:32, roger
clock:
6:25
